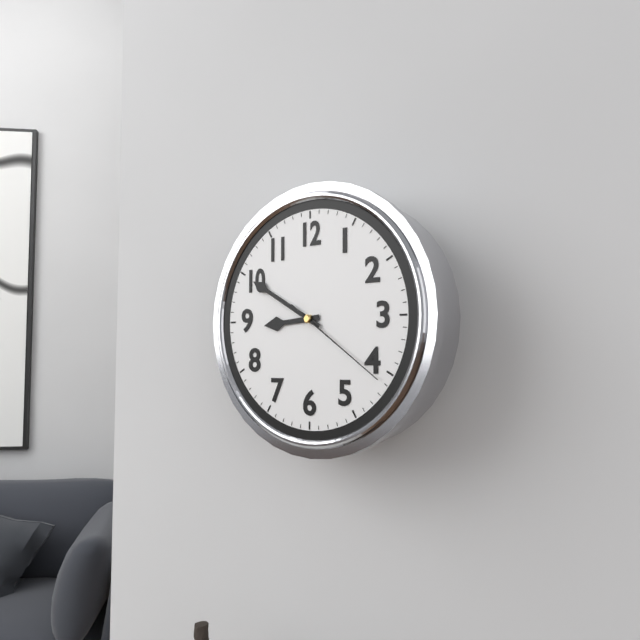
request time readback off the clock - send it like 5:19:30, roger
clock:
8:50:21
